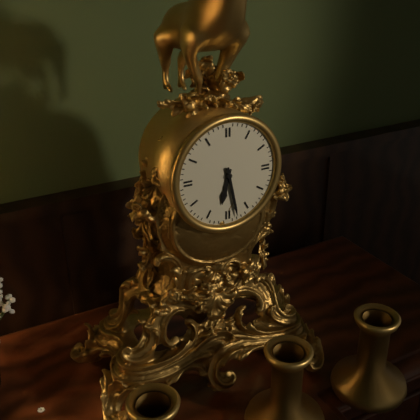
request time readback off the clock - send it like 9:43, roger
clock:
6:28
